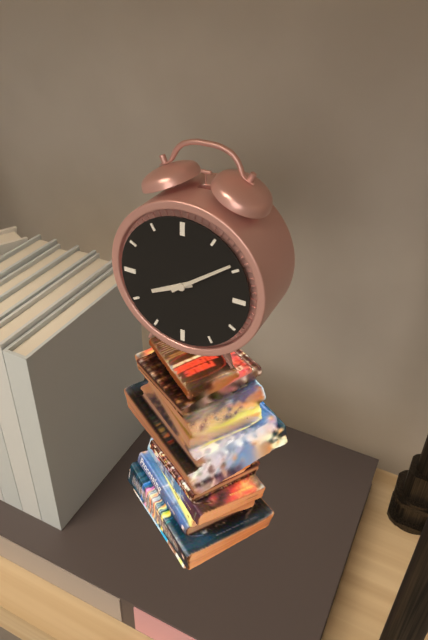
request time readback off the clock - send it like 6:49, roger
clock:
8:09
